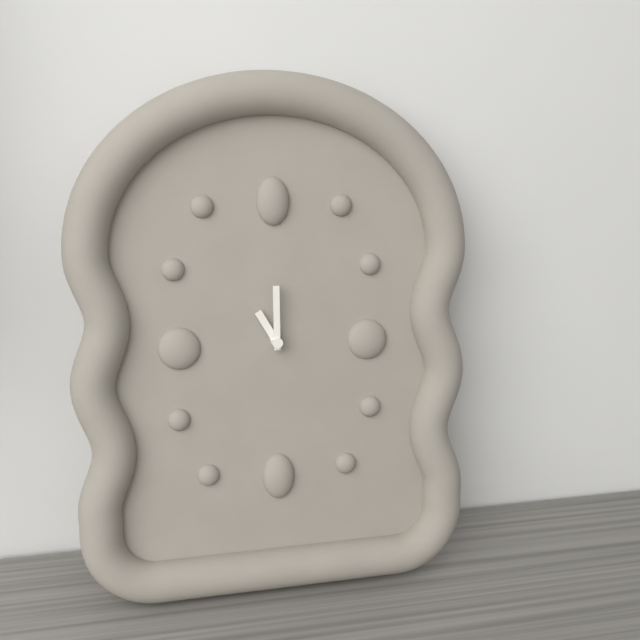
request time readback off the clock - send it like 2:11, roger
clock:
11:00
